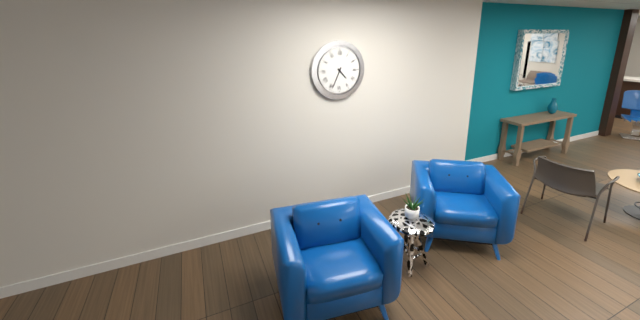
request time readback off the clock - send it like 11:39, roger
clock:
4:34
